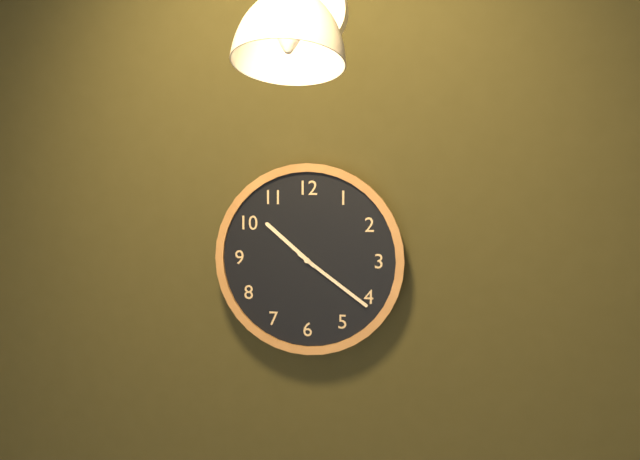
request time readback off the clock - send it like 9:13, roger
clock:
10:21
